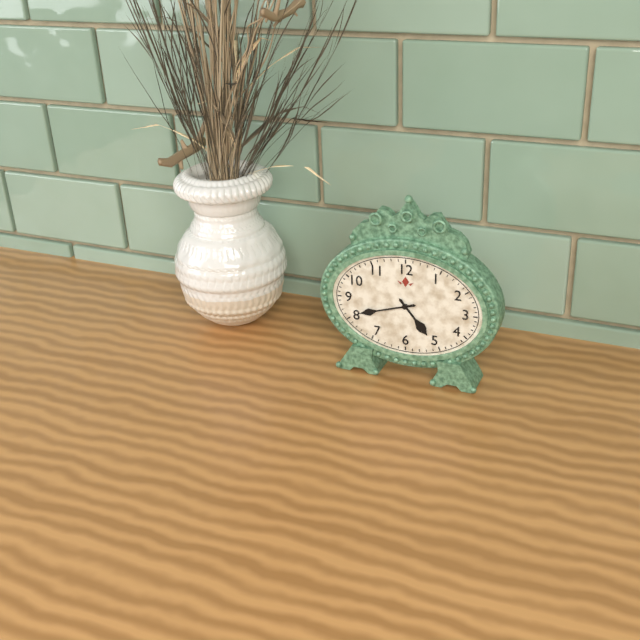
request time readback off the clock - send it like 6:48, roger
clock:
4:42
